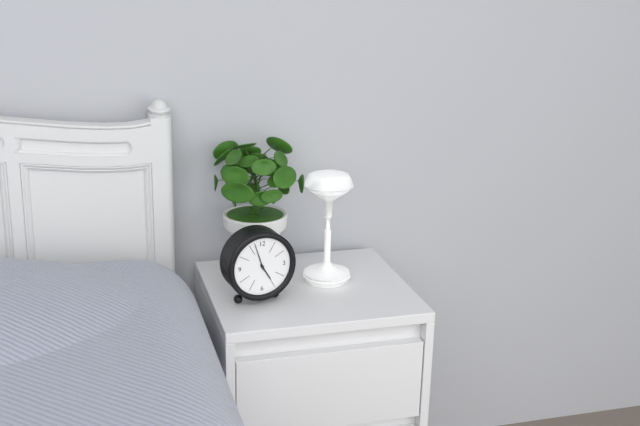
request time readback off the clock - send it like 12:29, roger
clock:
4:57
